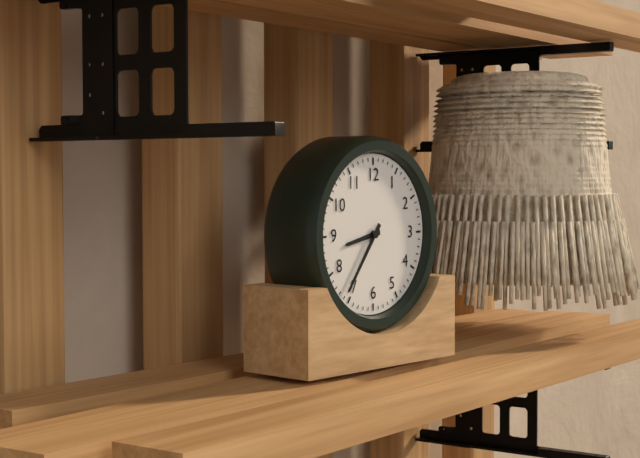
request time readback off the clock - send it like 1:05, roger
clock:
8:36
